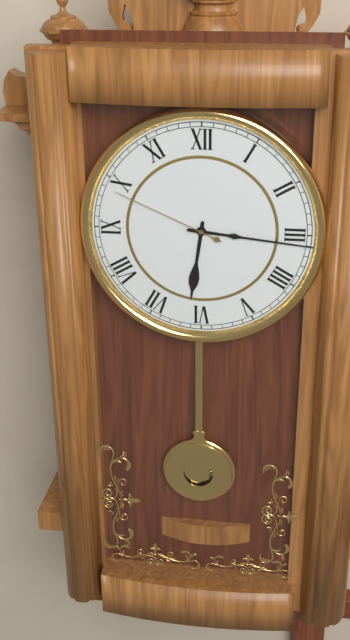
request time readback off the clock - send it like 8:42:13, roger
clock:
6:16:49
